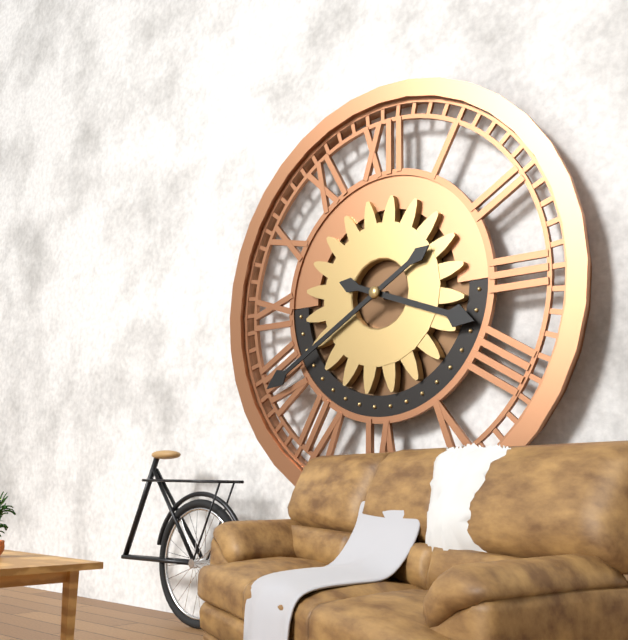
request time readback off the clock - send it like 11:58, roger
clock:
3:40
